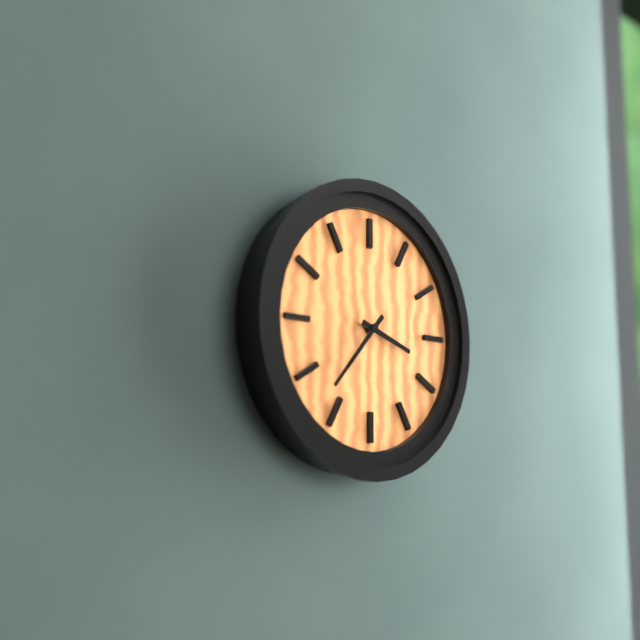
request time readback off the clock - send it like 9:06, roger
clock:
3:37
